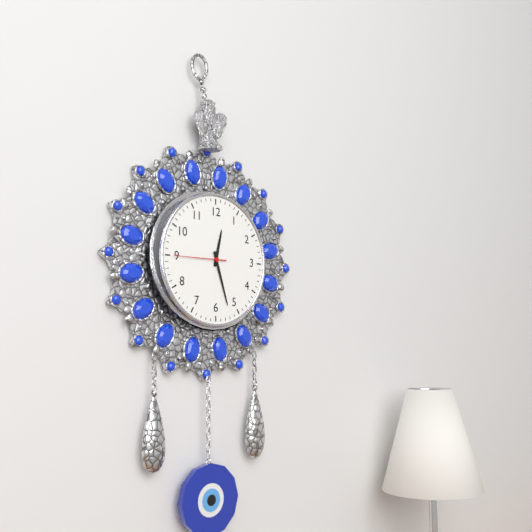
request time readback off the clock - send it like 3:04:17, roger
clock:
12:27:45
